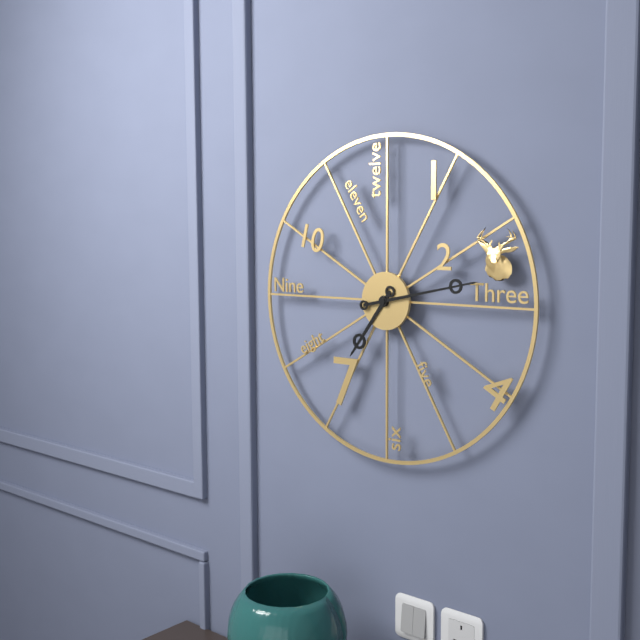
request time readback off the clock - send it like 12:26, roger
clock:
7:13
